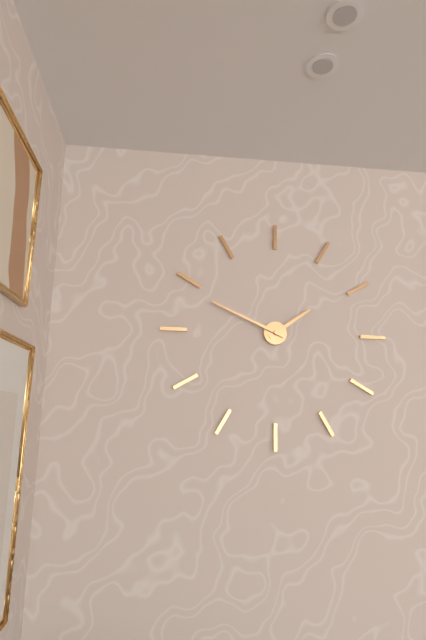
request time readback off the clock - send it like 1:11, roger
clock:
1:49
